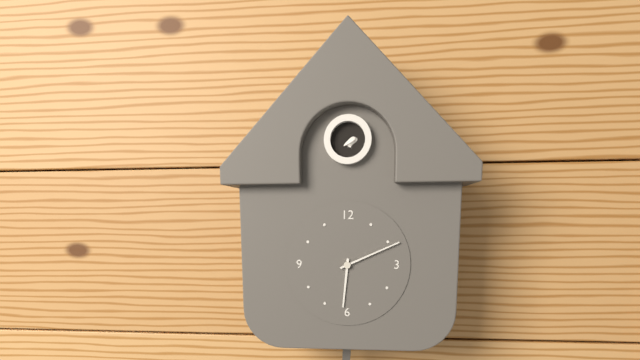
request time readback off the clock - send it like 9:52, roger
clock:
6:11
